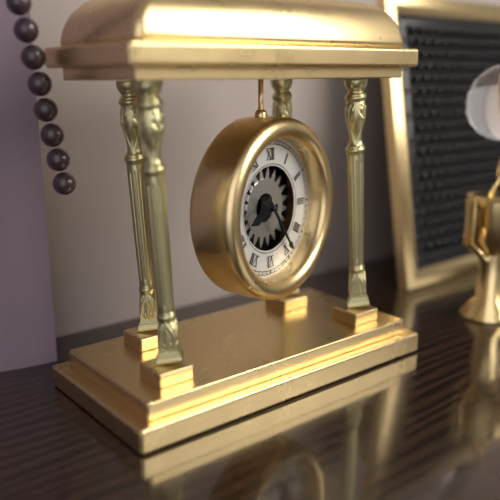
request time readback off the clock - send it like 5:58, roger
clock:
8:24
